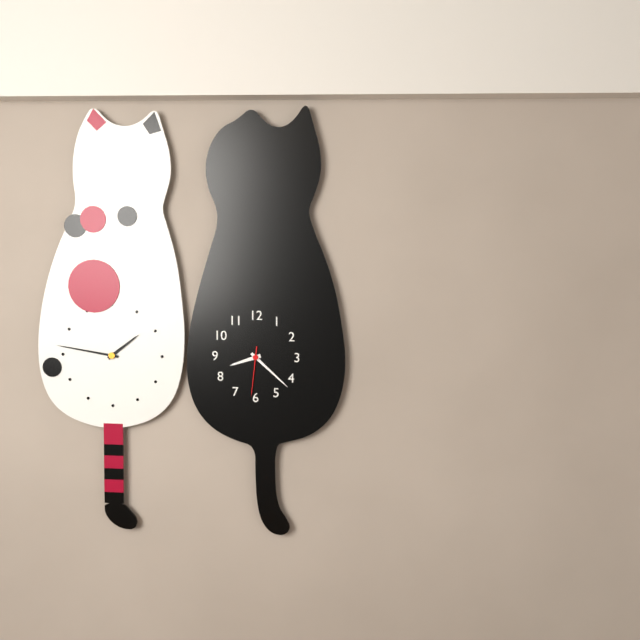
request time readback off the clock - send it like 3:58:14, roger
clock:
8:22:31
